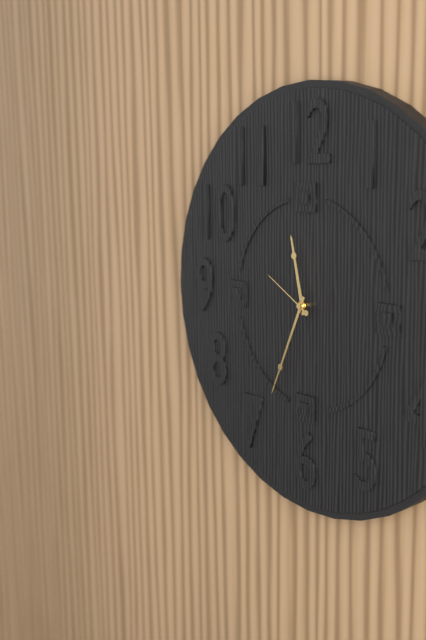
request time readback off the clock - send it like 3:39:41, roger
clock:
11:34:50
